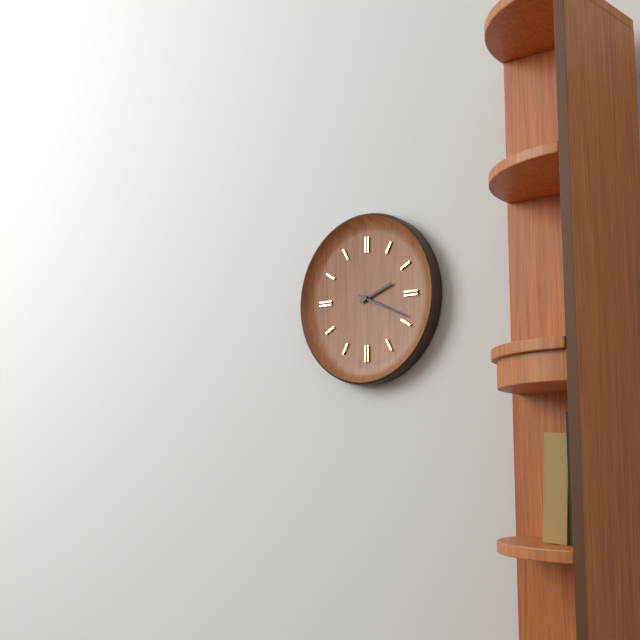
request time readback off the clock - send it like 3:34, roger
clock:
2:19
